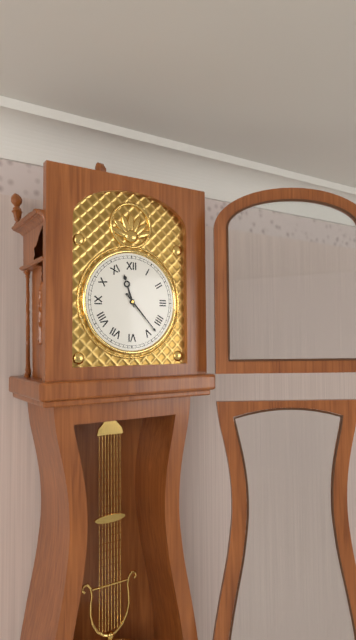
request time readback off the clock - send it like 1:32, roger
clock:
11:23
